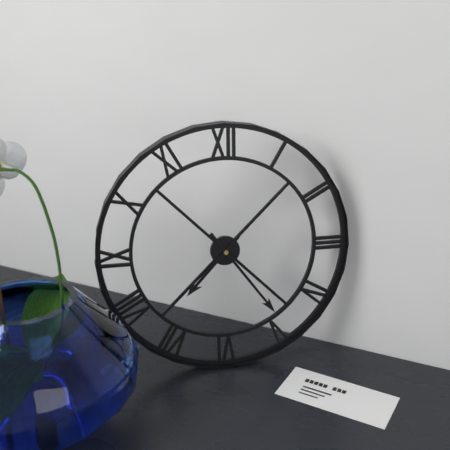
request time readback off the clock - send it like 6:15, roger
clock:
7:24
